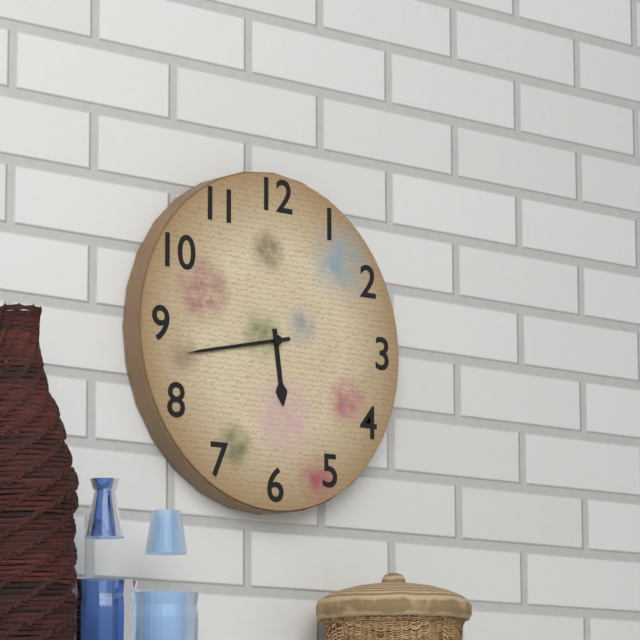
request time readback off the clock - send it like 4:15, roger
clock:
5:43
